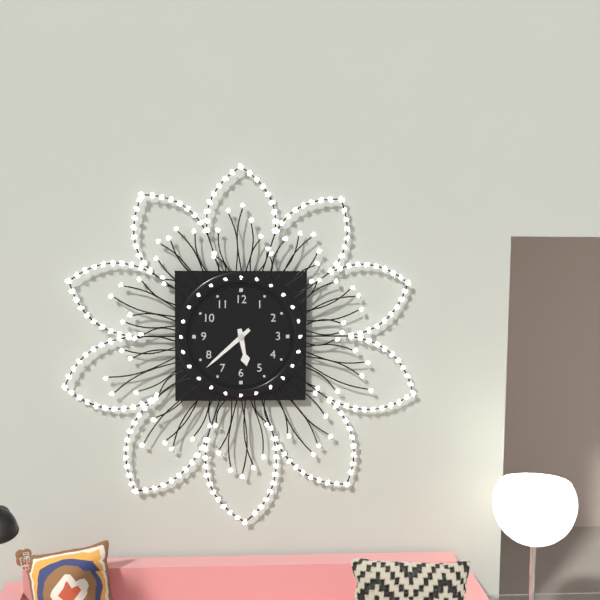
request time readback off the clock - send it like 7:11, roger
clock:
5:38
